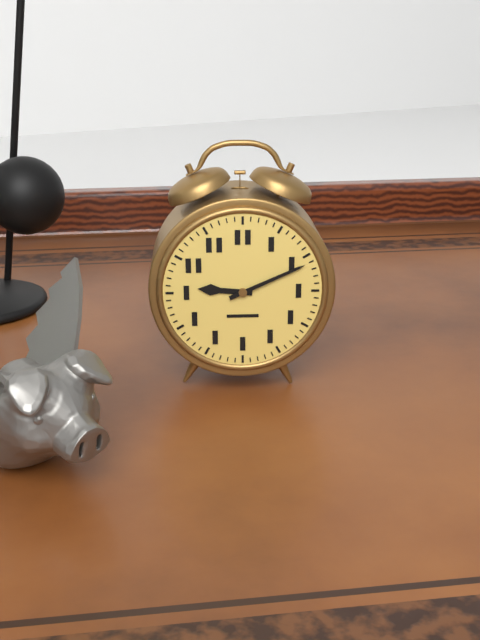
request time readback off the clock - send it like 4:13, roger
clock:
9:11
